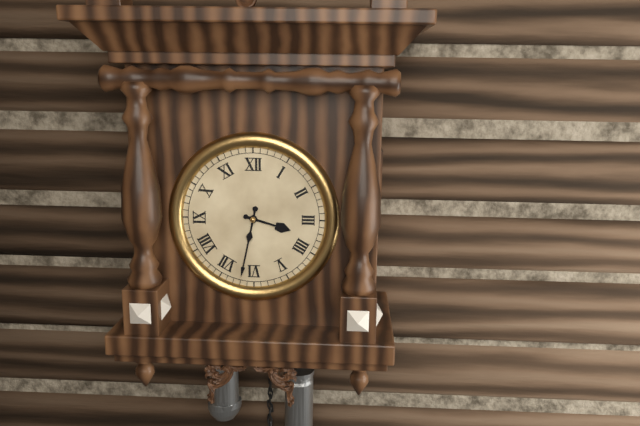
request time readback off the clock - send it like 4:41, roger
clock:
3:32
